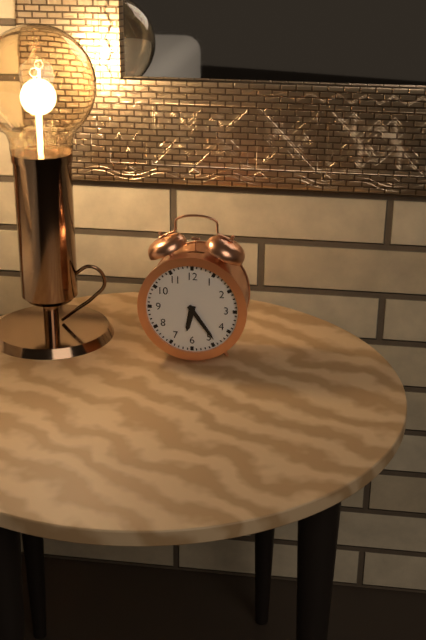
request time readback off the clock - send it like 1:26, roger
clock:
6:24
